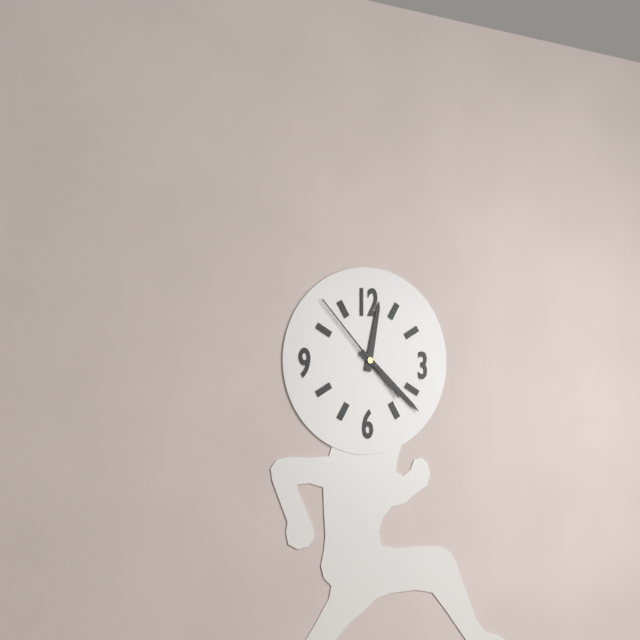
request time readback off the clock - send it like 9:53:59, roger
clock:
12:22:53
